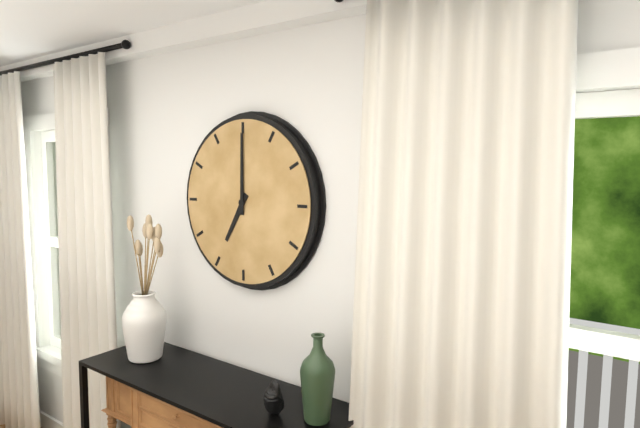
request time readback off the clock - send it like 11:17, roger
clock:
7:00
